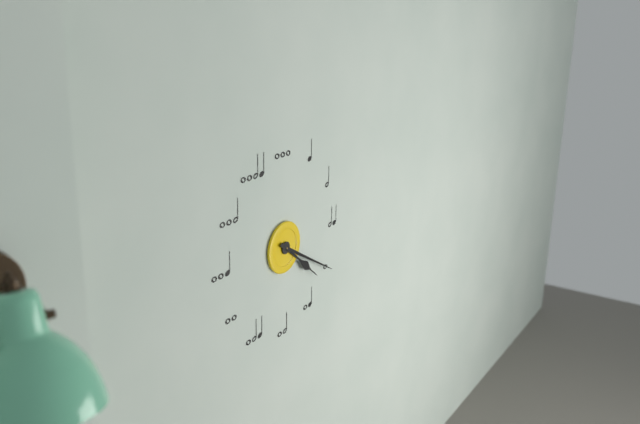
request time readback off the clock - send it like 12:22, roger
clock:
4:20
